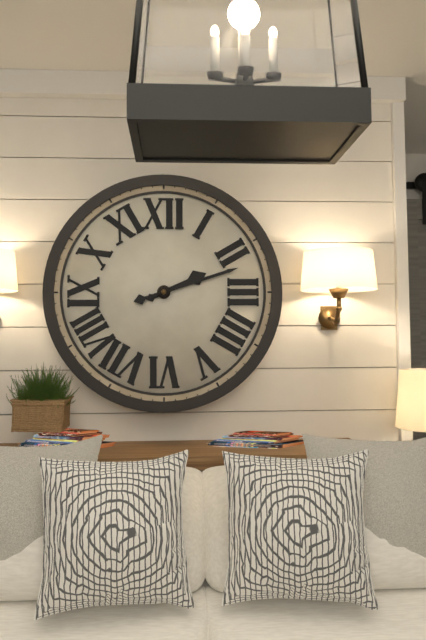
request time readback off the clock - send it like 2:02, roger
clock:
2:12
